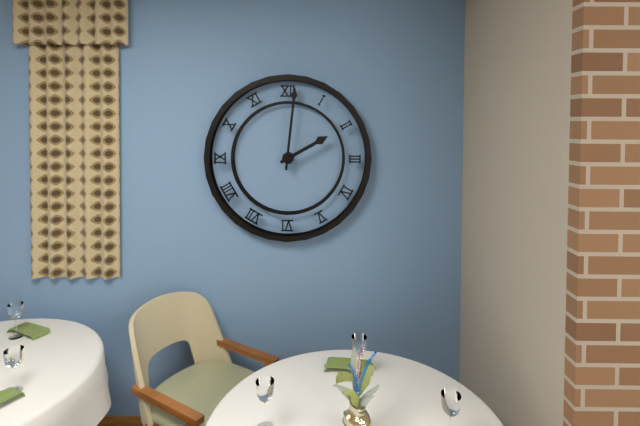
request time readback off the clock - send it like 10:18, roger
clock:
2:01
